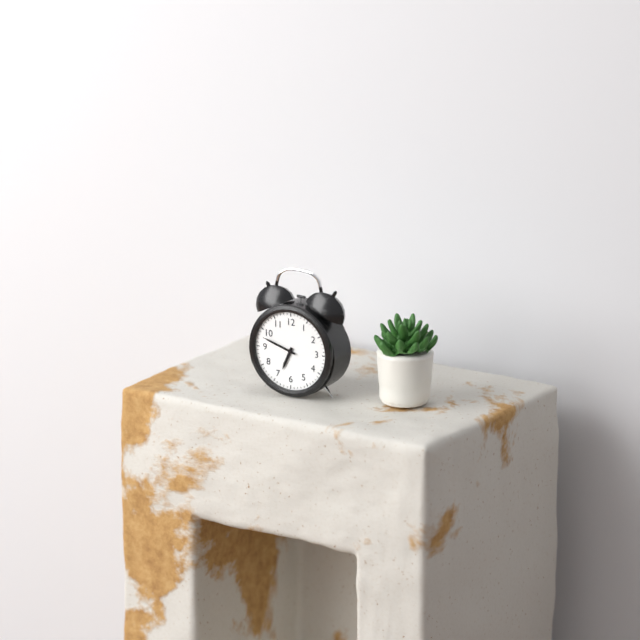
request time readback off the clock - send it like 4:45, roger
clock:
6:48
